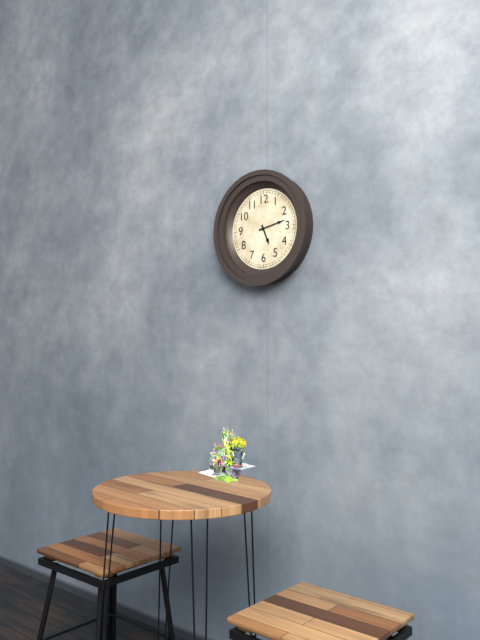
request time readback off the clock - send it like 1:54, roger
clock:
5:13
